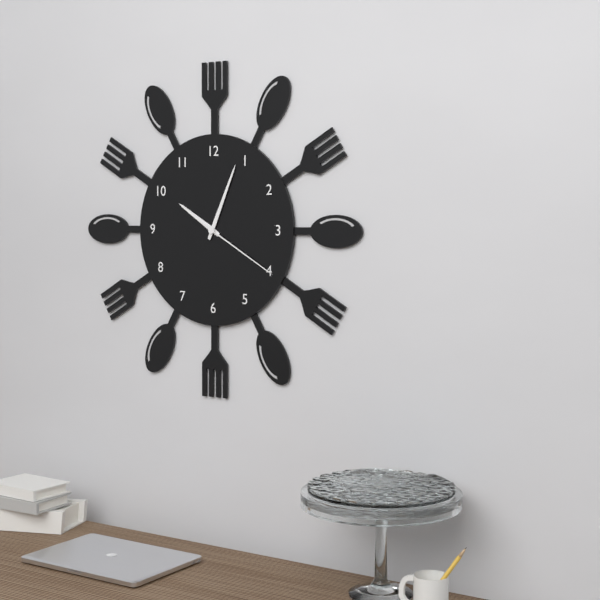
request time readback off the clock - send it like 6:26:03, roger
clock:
10:04:20
